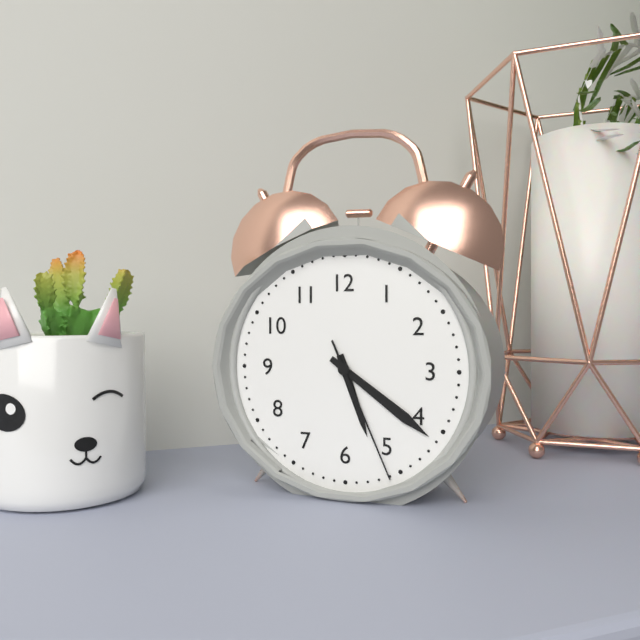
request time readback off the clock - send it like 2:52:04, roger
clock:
5:21:26
